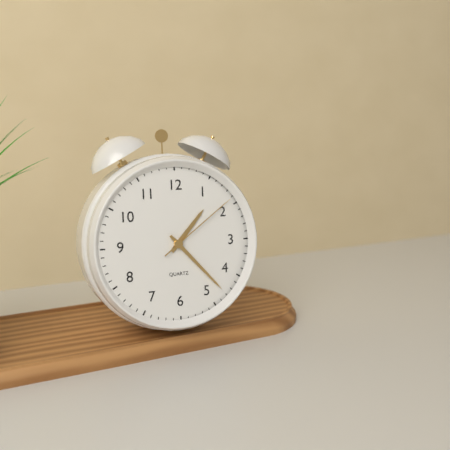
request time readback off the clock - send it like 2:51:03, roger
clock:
1:23:09
